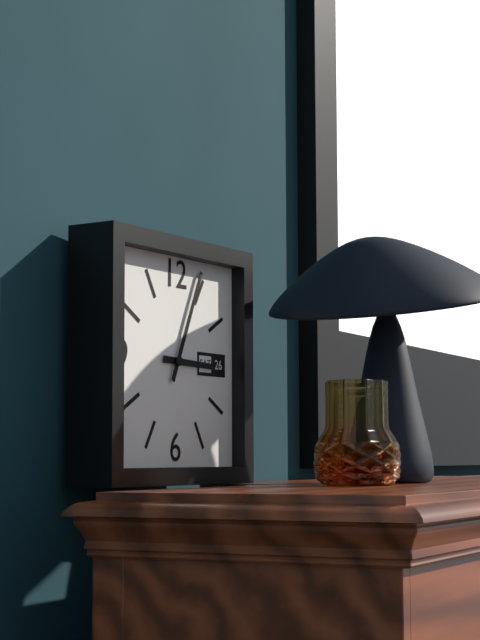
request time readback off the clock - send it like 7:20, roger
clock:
3:04
